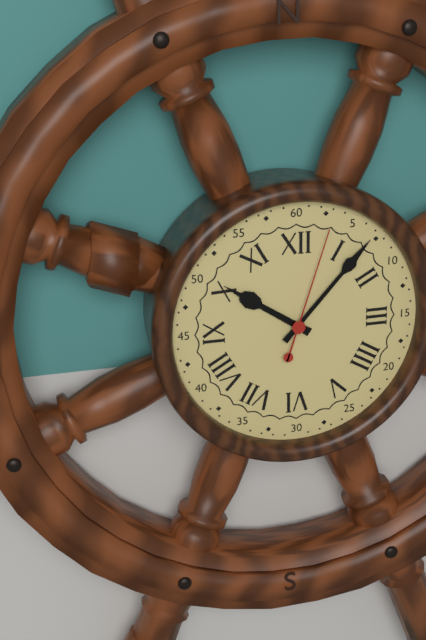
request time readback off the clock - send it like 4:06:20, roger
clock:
10:07:03
